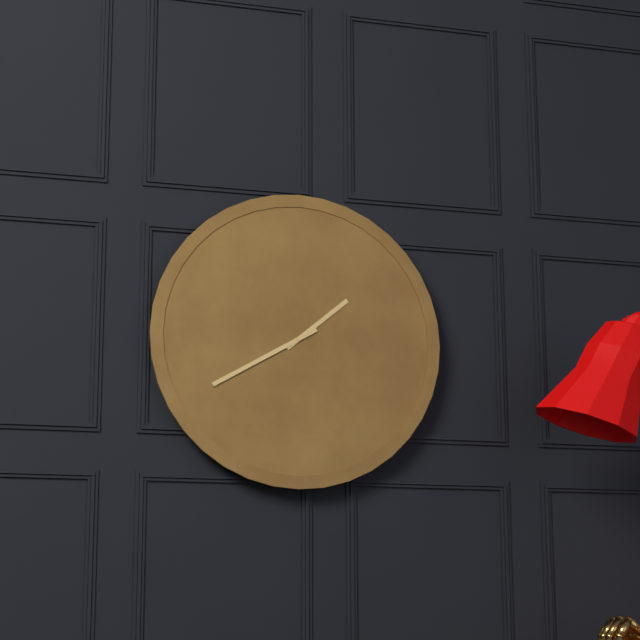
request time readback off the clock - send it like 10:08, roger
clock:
1:40
